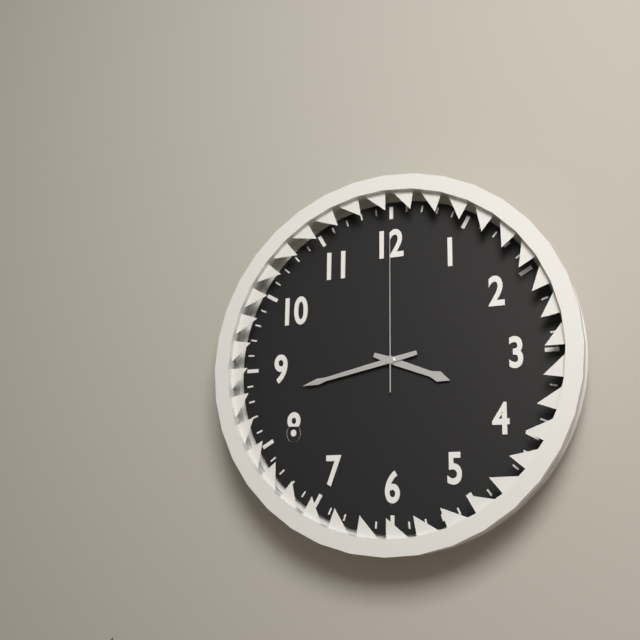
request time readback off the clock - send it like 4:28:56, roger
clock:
3:43:00
